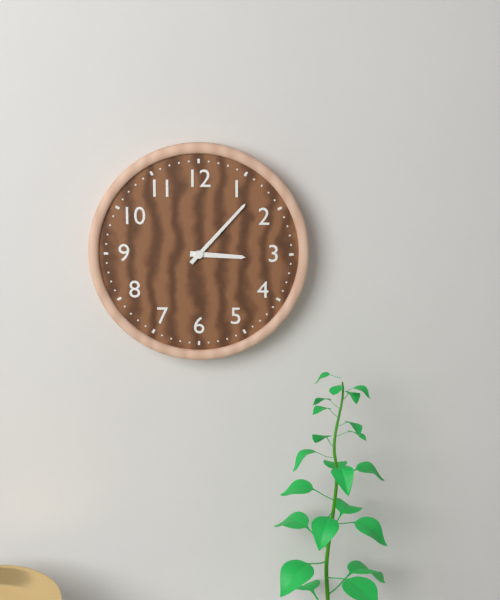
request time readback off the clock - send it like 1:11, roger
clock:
3:07
